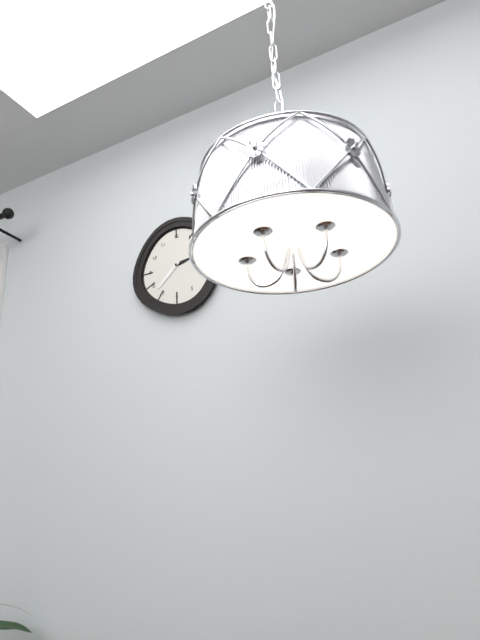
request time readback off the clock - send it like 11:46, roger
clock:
2:38
